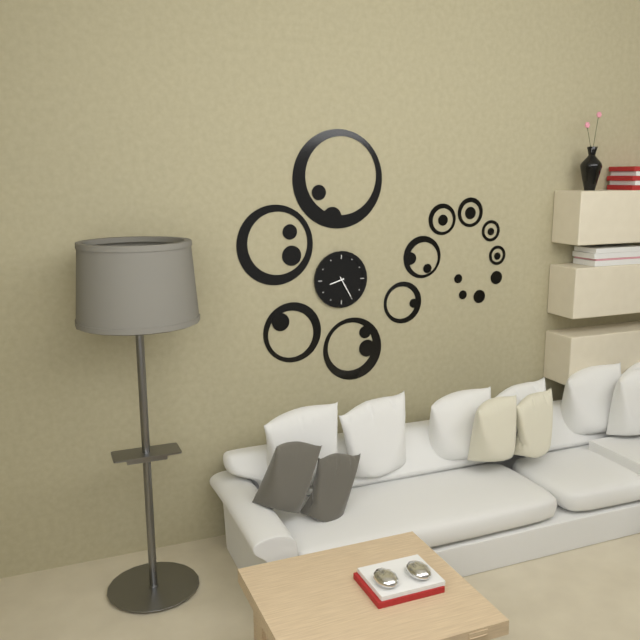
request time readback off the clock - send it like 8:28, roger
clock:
8:25
